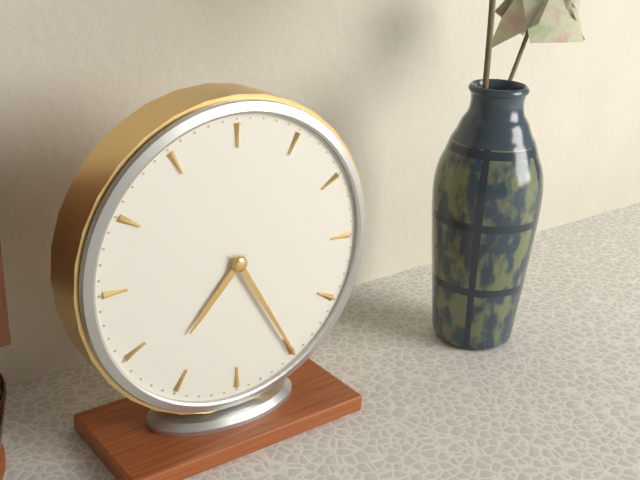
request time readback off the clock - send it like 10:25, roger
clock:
7:25
